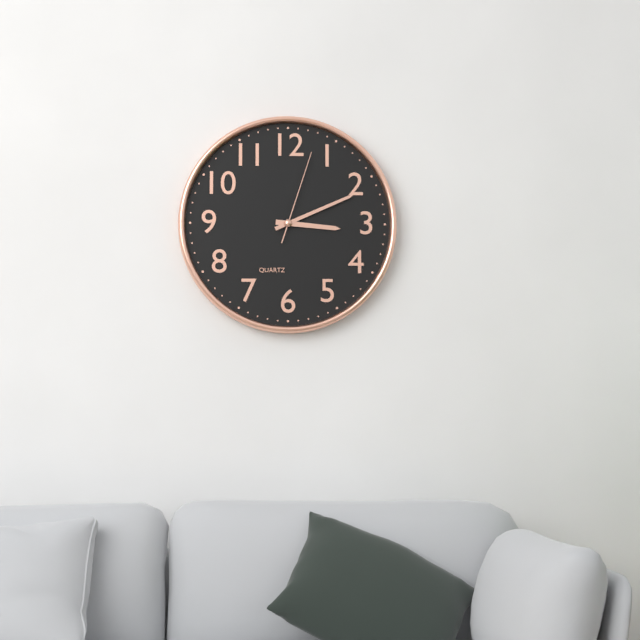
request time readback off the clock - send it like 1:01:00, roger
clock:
3:11:03
